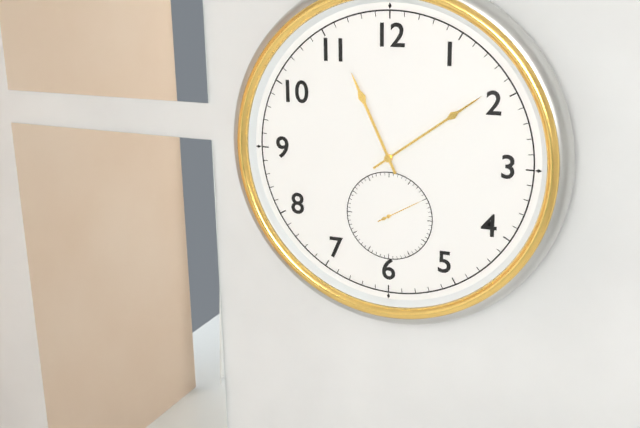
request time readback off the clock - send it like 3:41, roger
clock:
11:09
